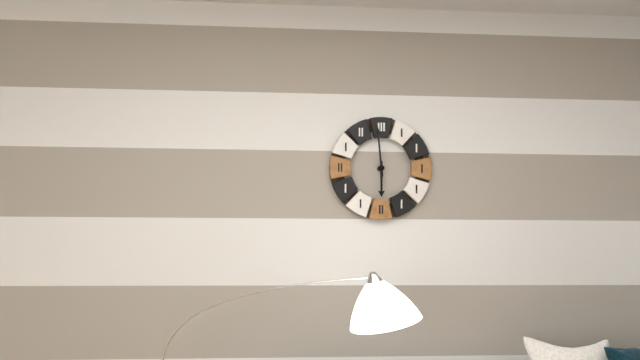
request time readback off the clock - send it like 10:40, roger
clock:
5:59
